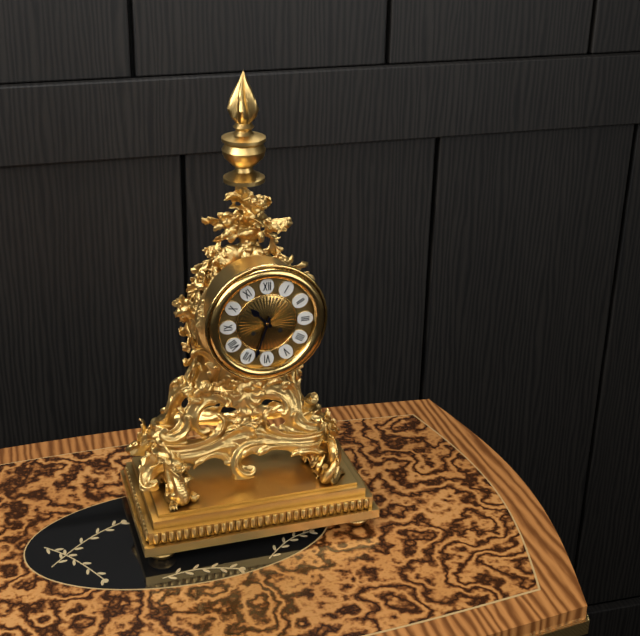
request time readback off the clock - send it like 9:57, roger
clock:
10:33
